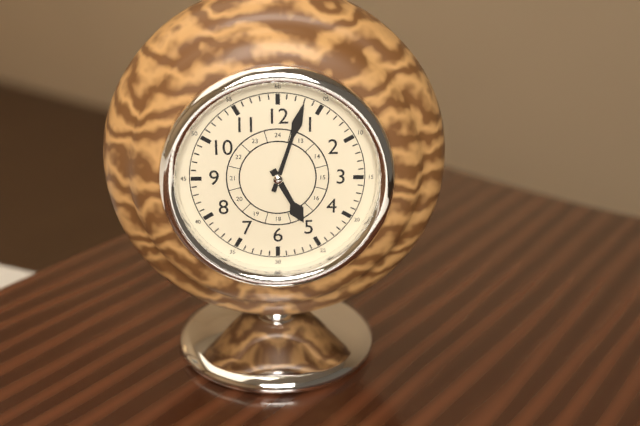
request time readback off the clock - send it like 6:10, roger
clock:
5:03
